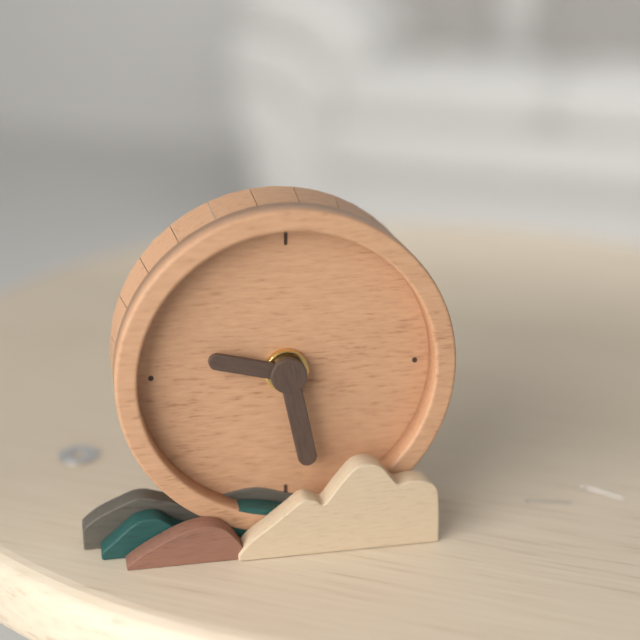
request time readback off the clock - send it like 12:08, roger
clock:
9:28
